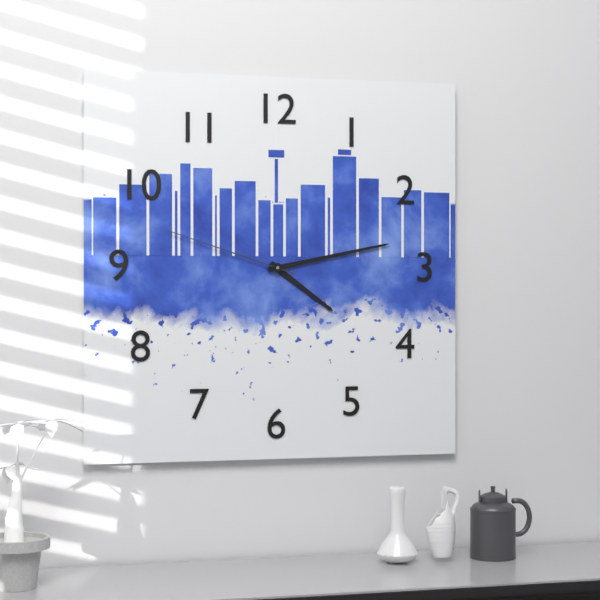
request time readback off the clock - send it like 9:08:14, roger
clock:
4:13:48
